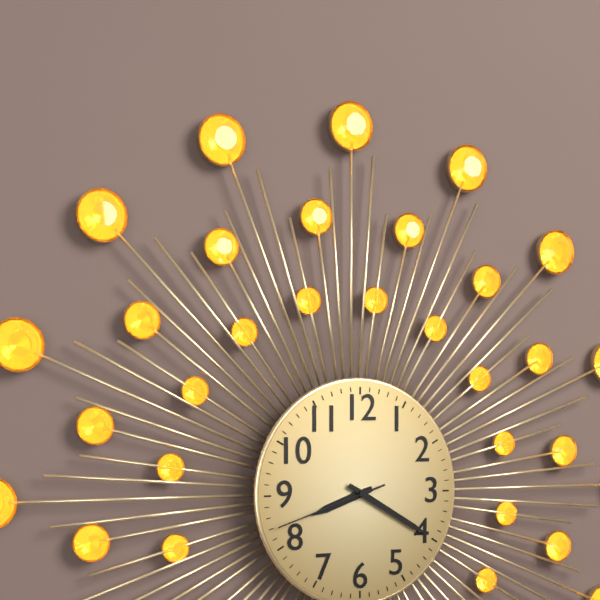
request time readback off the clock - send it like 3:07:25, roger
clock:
8:20:42
